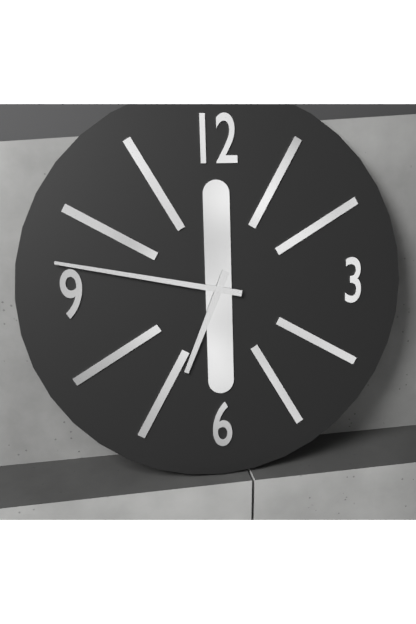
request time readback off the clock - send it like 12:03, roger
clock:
6:47
